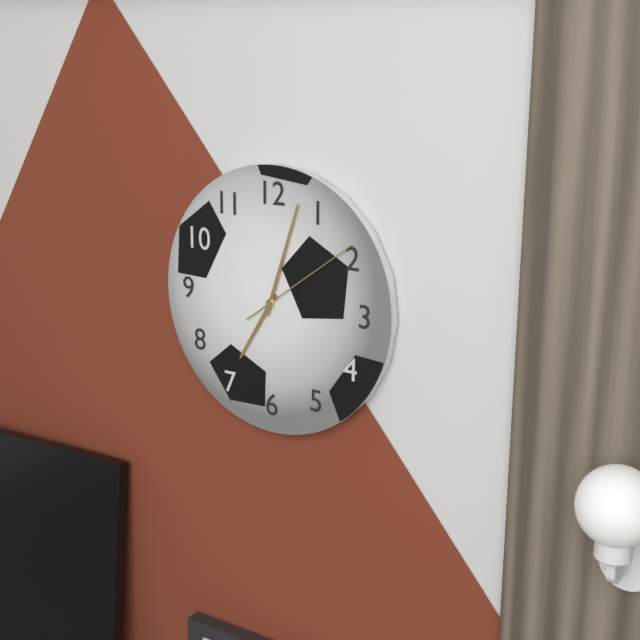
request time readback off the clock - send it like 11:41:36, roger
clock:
7:03:09
